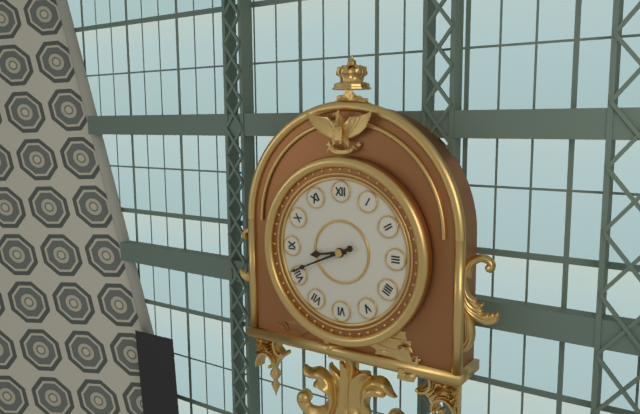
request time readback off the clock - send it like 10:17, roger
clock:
8:41
